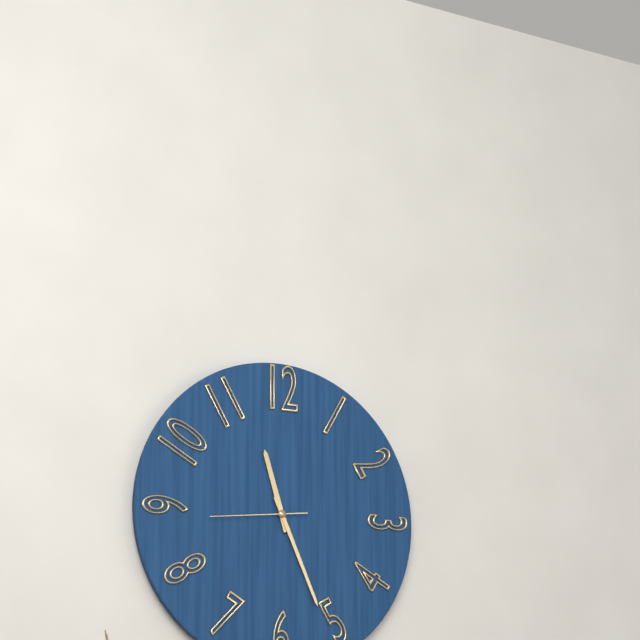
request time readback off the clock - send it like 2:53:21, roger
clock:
11:26:44
